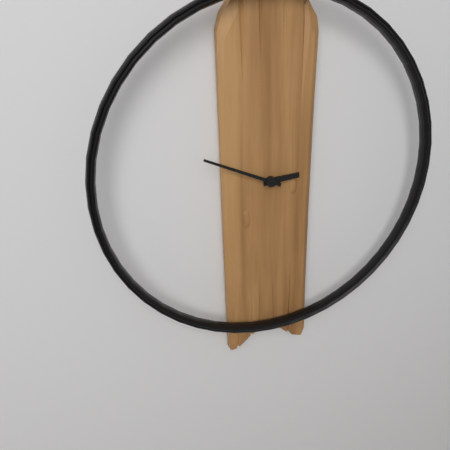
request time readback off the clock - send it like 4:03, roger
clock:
2:49
